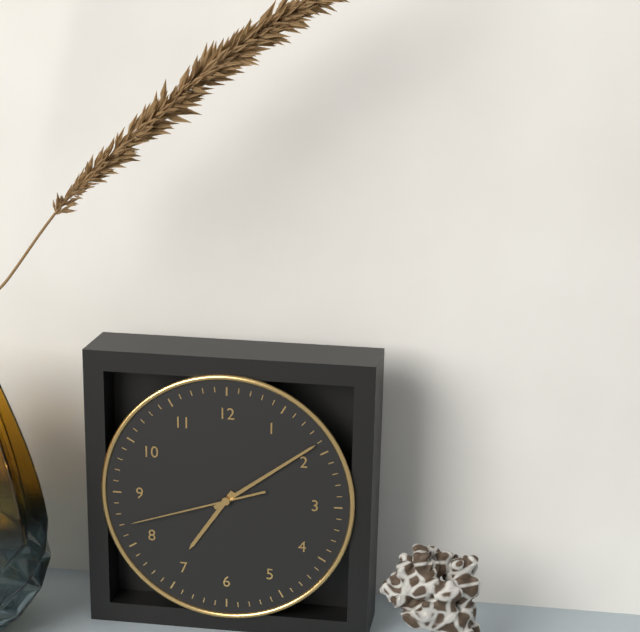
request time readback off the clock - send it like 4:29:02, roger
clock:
7:09:42
